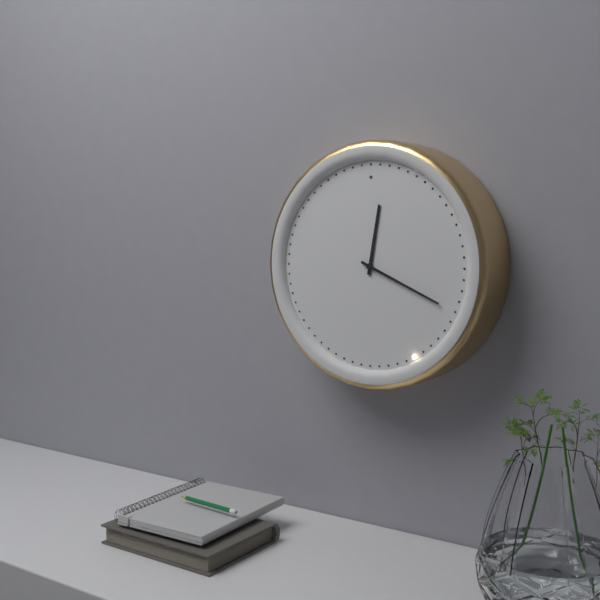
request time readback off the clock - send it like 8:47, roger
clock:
12:19
